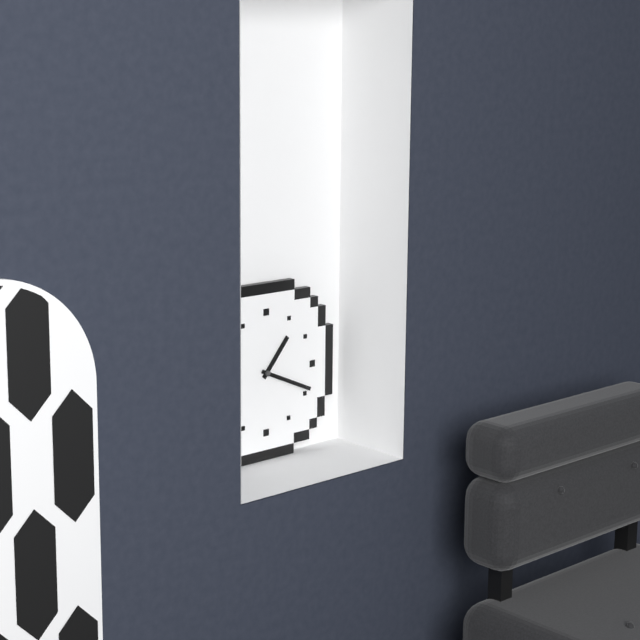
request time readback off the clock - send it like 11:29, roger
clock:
1:19
